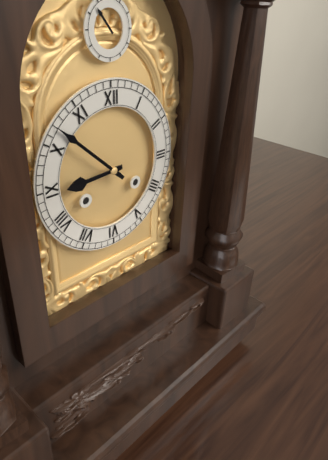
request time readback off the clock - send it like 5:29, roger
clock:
8:52
